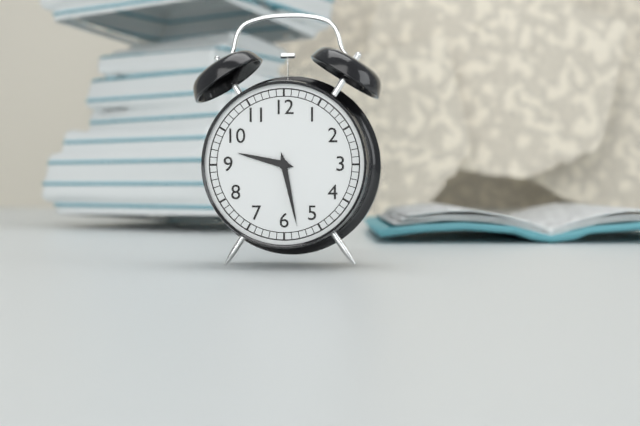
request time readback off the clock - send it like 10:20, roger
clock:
9:28
